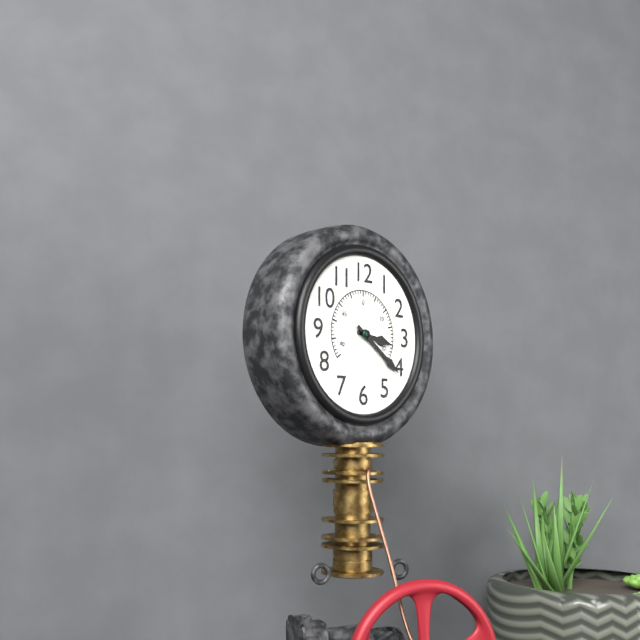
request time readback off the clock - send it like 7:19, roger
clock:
3:21
